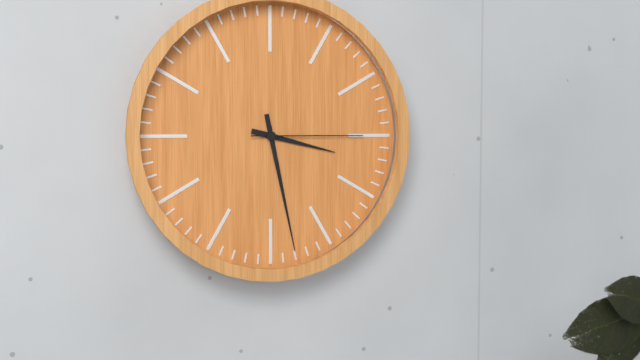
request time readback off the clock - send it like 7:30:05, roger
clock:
3:28:15
